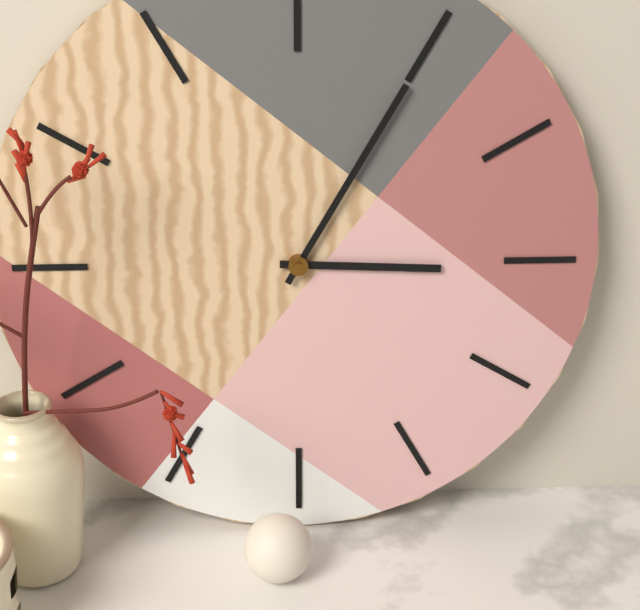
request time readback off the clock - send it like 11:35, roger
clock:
3:05
